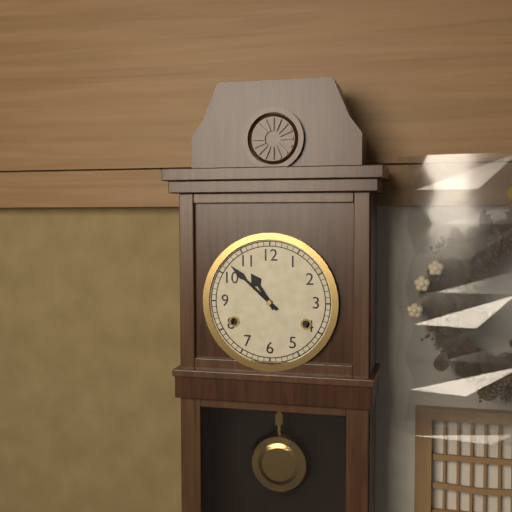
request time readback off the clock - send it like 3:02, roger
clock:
10:52
